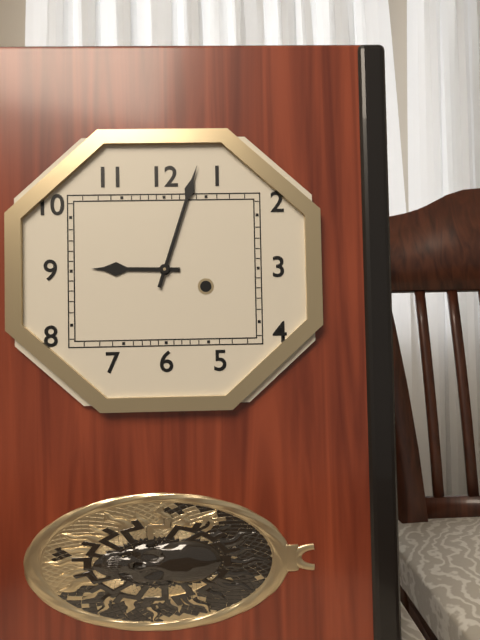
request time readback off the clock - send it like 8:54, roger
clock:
9:03
